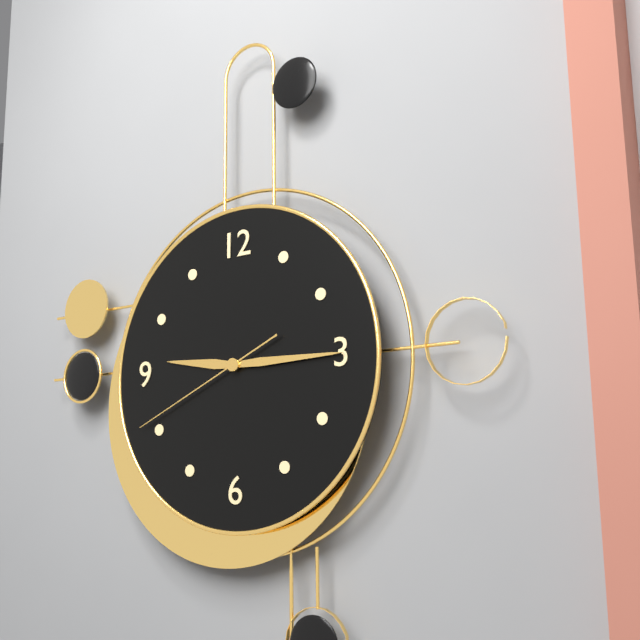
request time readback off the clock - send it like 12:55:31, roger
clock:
9:15:41
